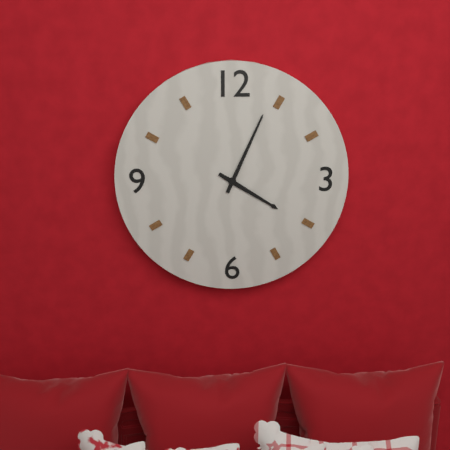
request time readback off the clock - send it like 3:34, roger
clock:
4:04
